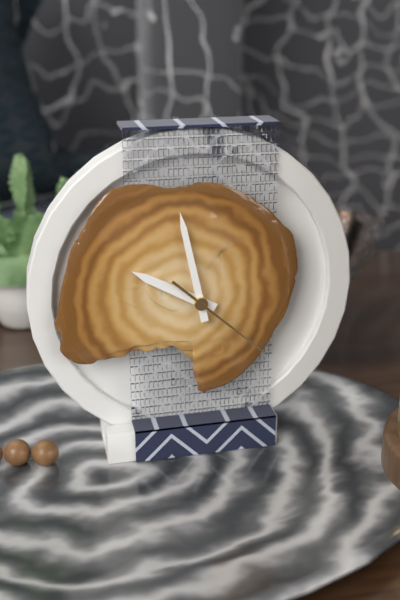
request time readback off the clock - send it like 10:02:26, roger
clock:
9:58:22
